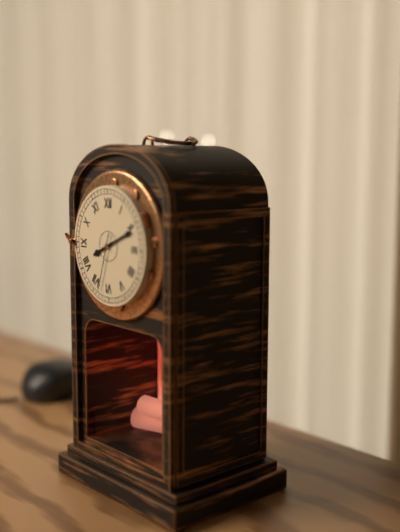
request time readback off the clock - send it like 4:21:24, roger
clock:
8:11:33
